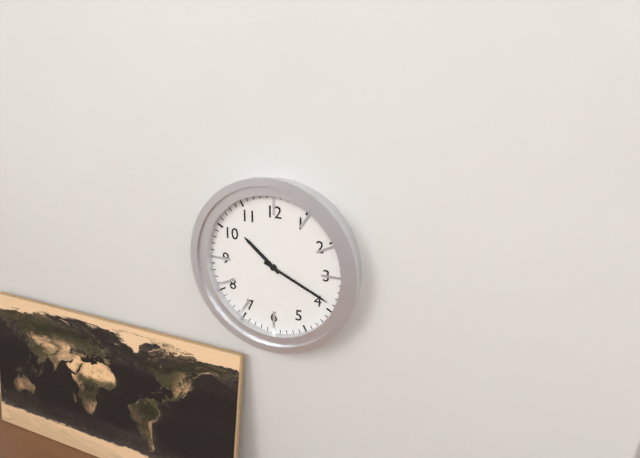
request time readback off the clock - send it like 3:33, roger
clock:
10:19
